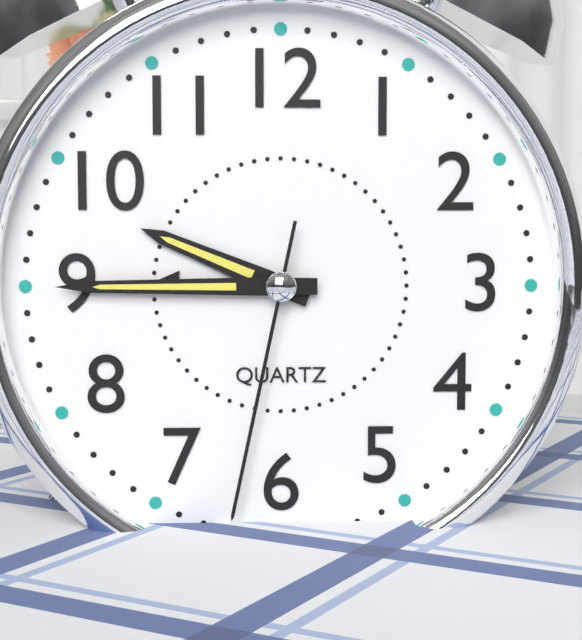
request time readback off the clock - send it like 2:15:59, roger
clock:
9:45:32
